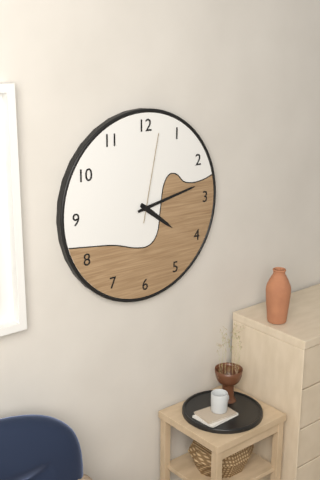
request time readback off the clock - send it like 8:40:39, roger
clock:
4:13:02
